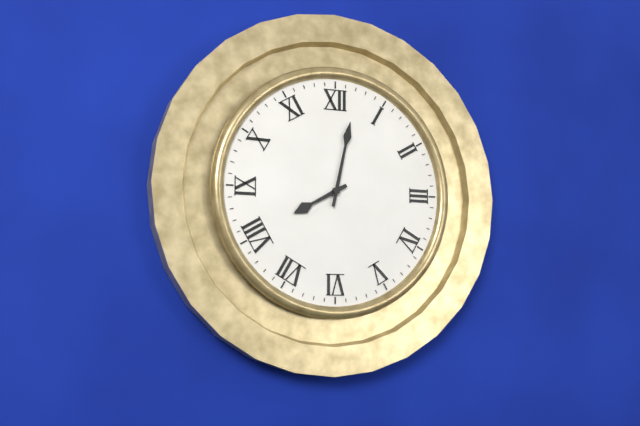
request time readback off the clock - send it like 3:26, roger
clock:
8:02
